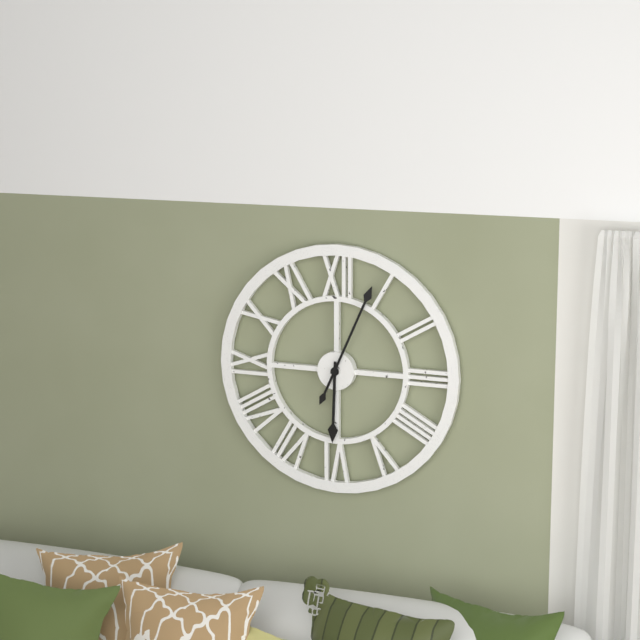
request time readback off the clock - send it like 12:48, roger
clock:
6:04
